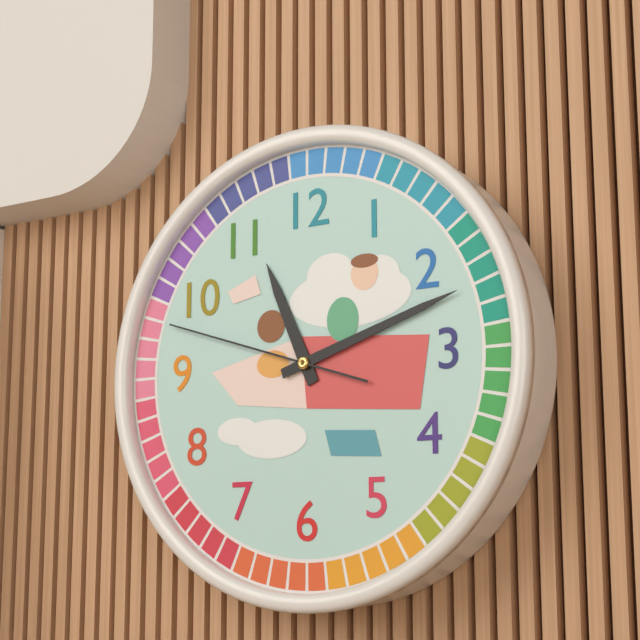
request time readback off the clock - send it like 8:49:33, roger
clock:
11:12:48
